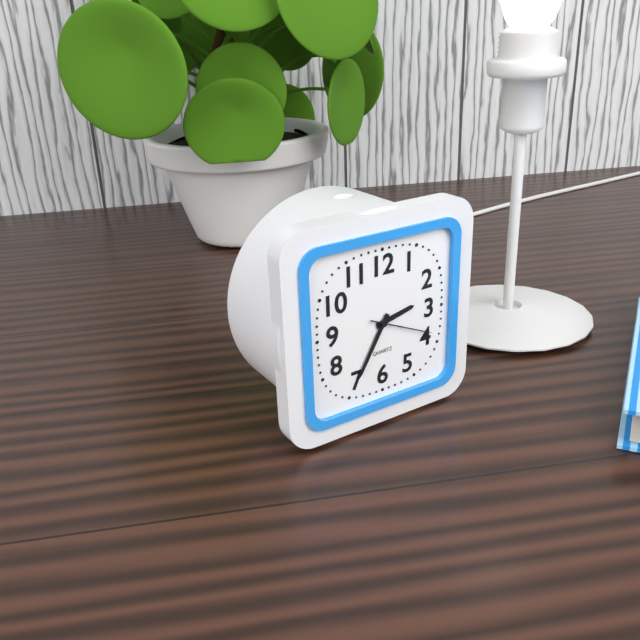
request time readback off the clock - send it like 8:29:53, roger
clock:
2:35:19
